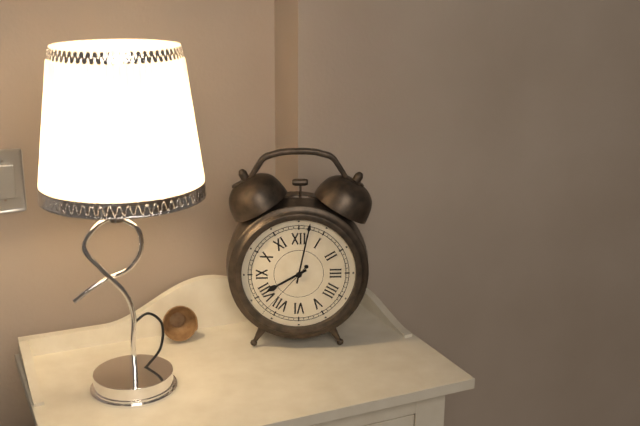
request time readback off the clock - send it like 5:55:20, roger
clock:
8:02:37
